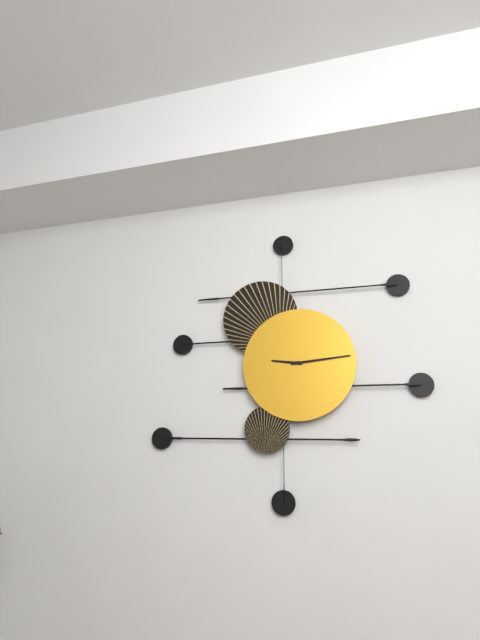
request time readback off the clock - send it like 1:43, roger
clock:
9:14
